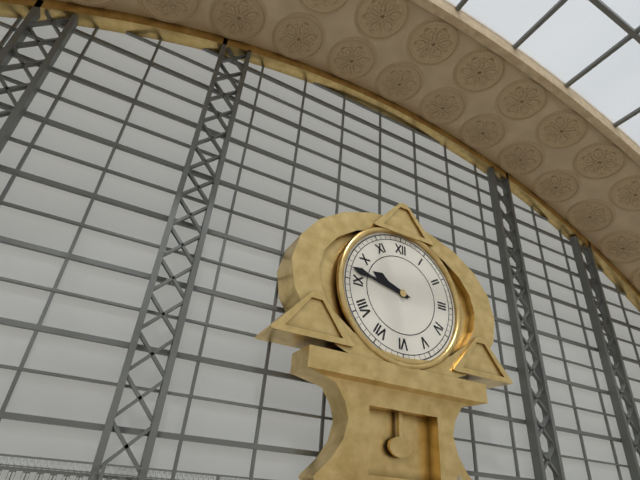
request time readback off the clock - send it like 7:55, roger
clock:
9:47
